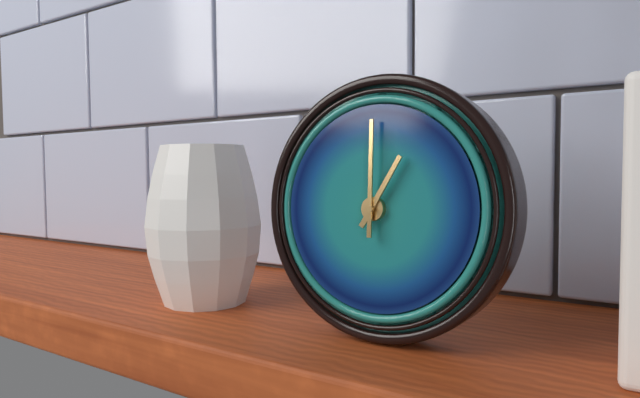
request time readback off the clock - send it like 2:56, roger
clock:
1:00
